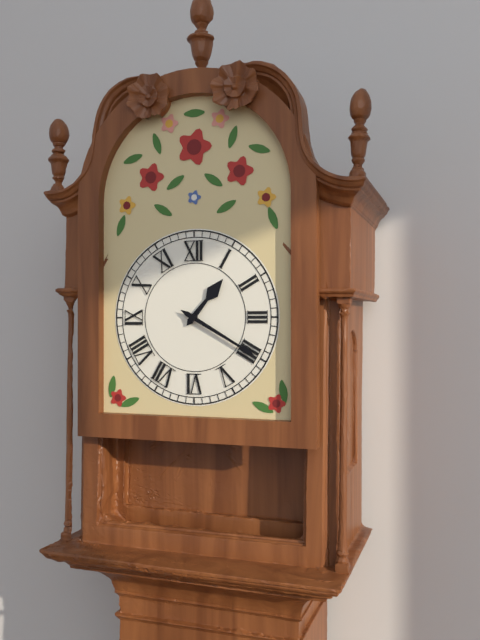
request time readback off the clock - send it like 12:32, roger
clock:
1:20
